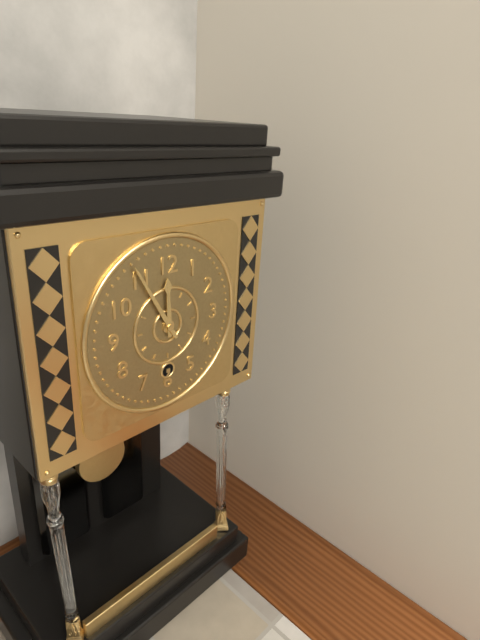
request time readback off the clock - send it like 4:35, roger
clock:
11:55
